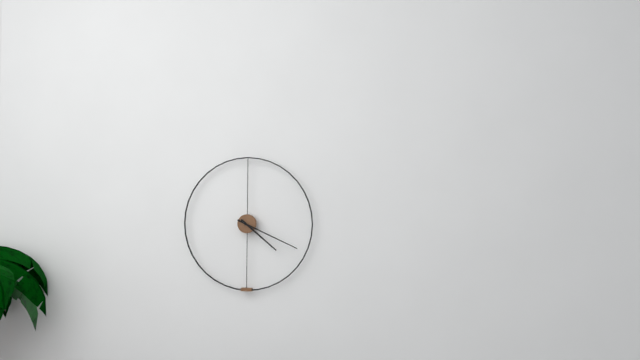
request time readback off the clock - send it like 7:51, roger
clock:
4:19
